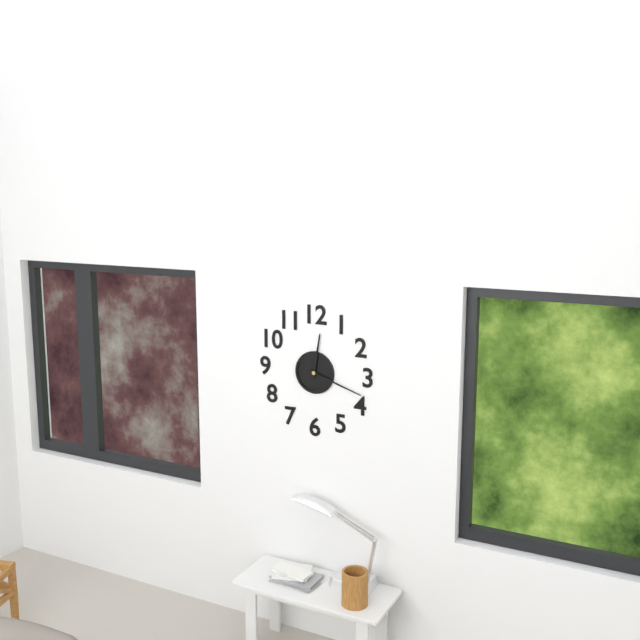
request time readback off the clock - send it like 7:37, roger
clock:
12:18
